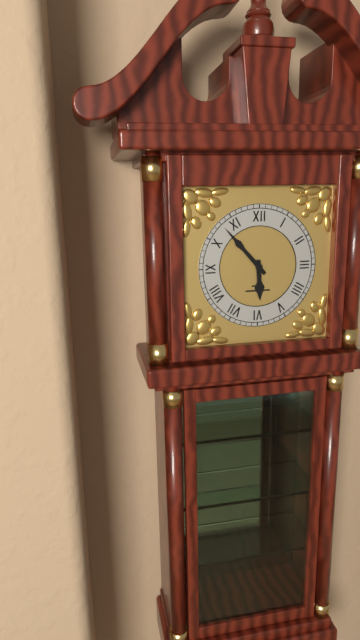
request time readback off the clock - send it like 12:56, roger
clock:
5:53
